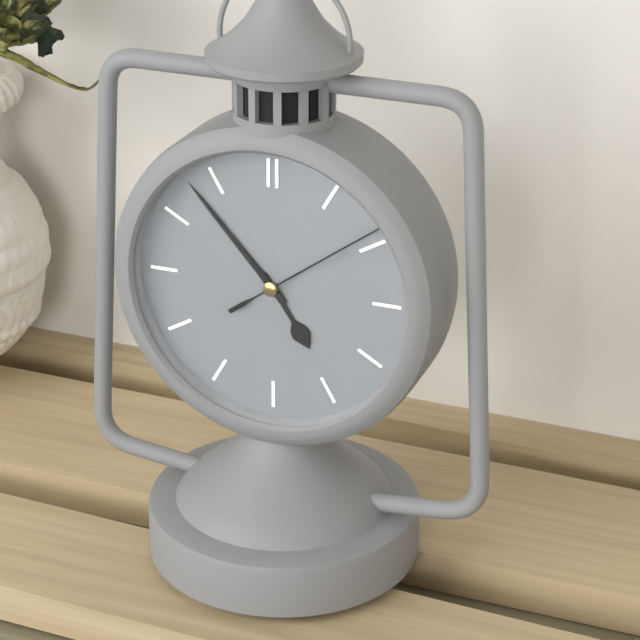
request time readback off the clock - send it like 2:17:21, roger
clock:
4:53:09
